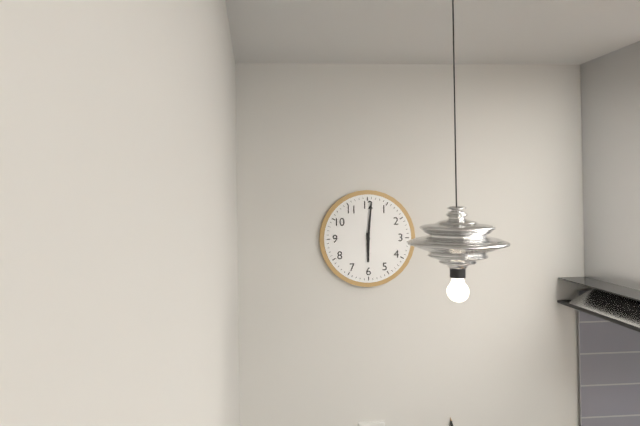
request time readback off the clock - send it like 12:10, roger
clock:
6:01
